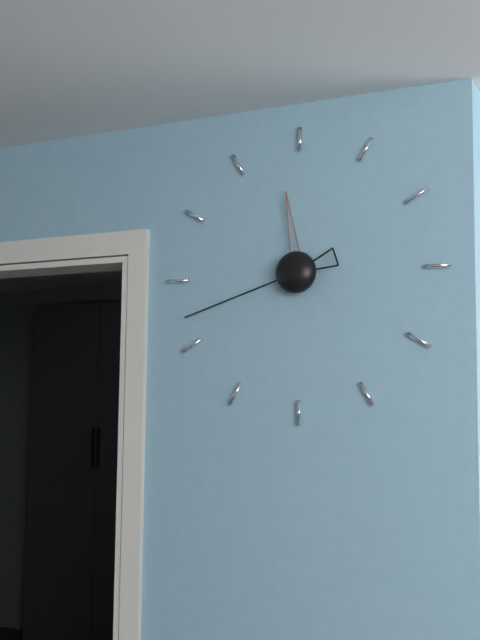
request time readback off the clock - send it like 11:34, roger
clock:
11:42
